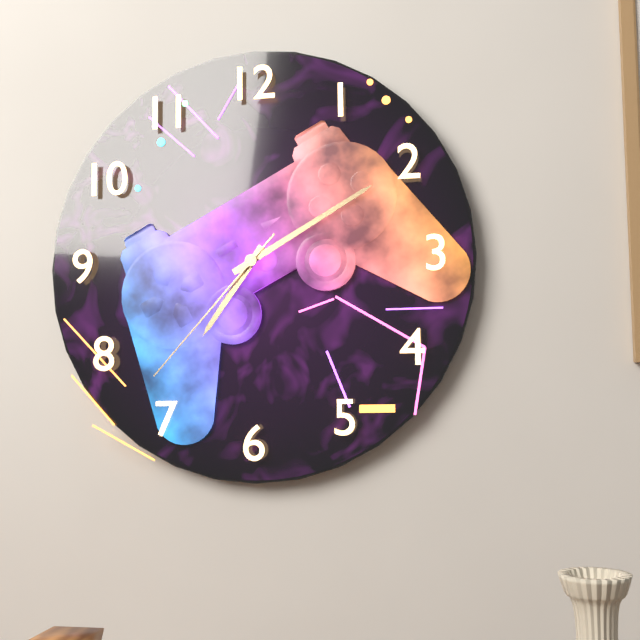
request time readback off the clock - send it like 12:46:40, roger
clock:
7:10:37
